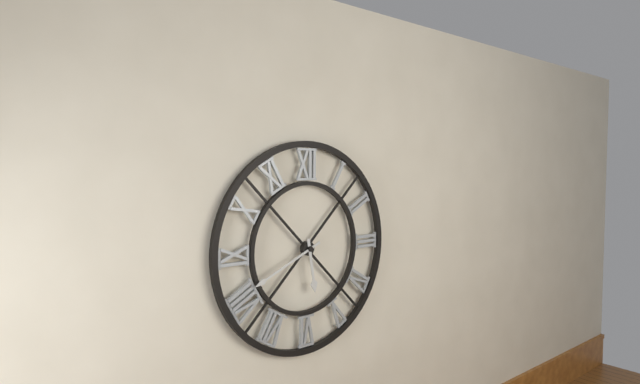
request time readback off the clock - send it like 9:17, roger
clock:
5:41
